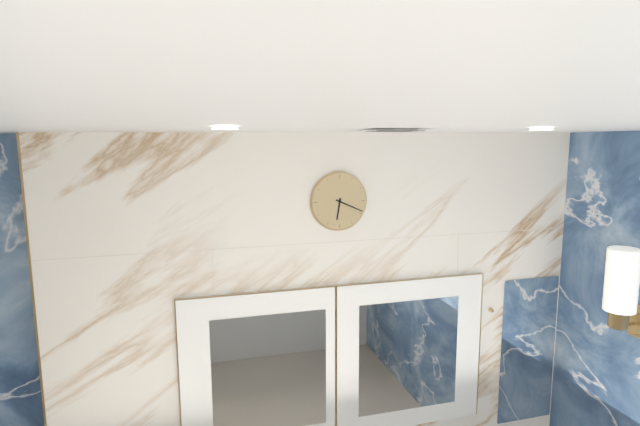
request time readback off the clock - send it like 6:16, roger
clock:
6:19
